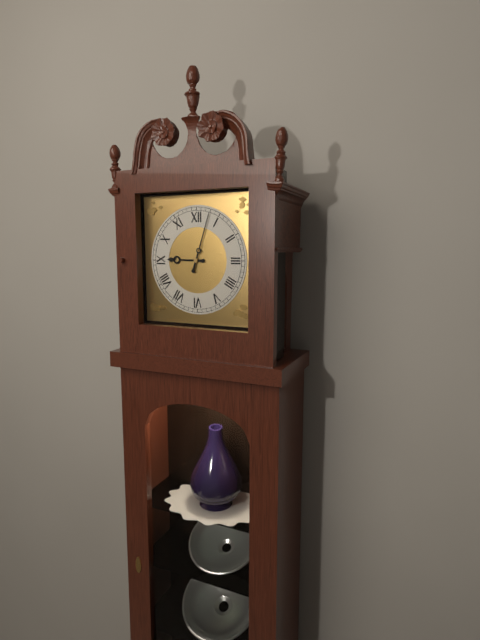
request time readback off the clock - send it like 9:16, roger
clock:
9:03
